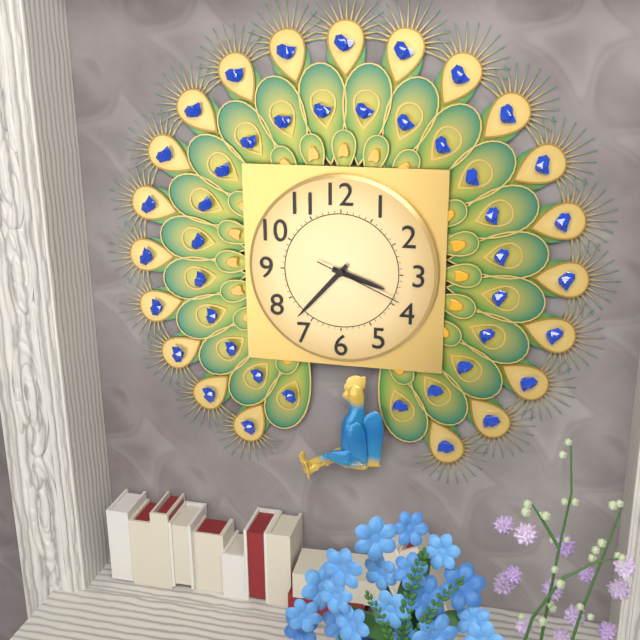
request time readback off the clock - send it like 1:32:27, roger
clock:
3:37:19
